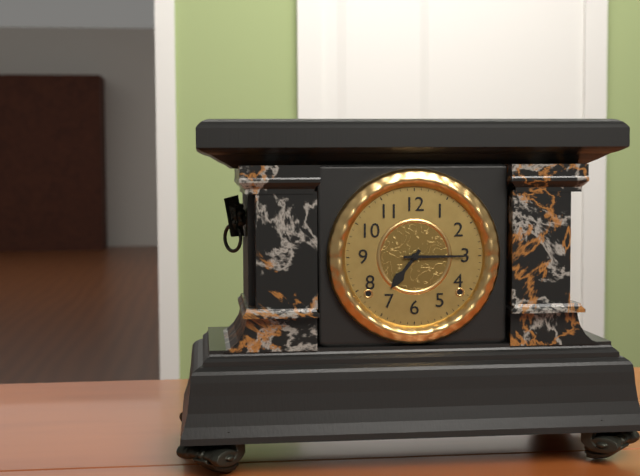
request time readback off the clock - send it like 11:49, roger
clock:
7:15
